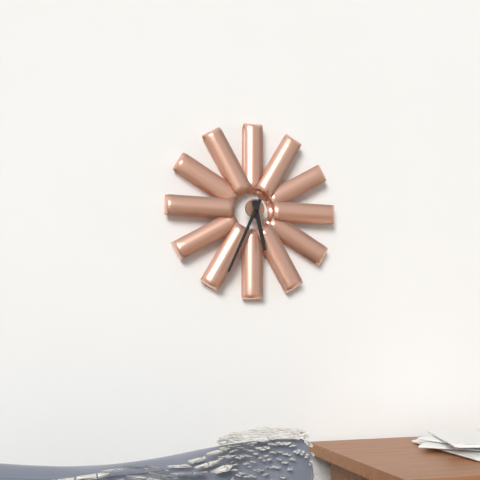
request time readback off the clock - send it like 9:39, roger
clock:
5:34
